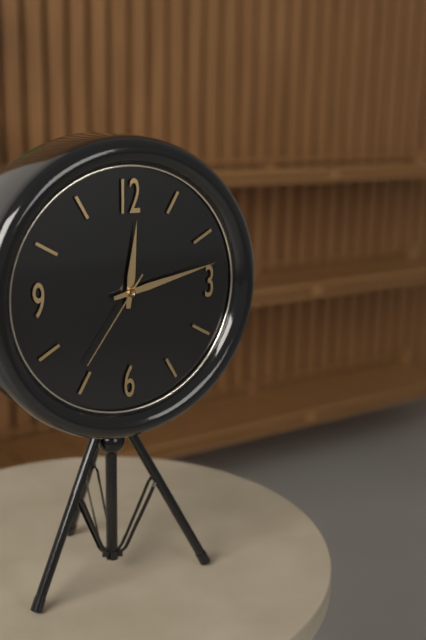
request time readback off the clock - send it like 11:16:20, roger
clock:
12:13:36
